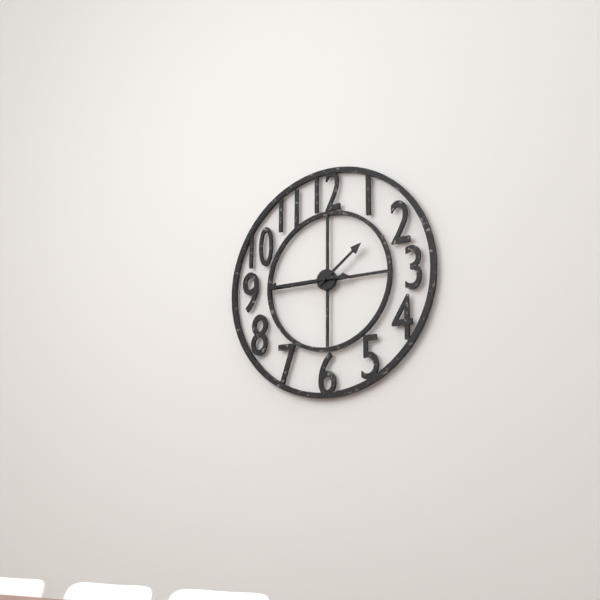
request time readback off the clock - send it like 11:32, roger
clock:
1:45
